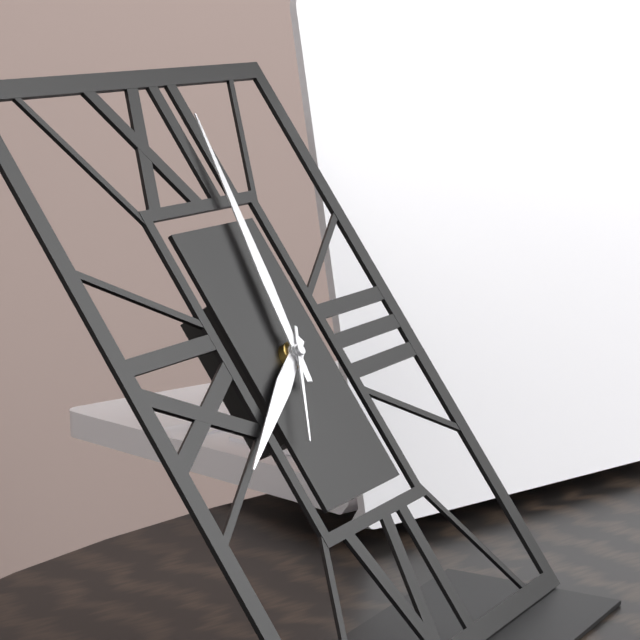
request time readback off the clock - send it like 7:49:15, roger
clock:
8:02:36
